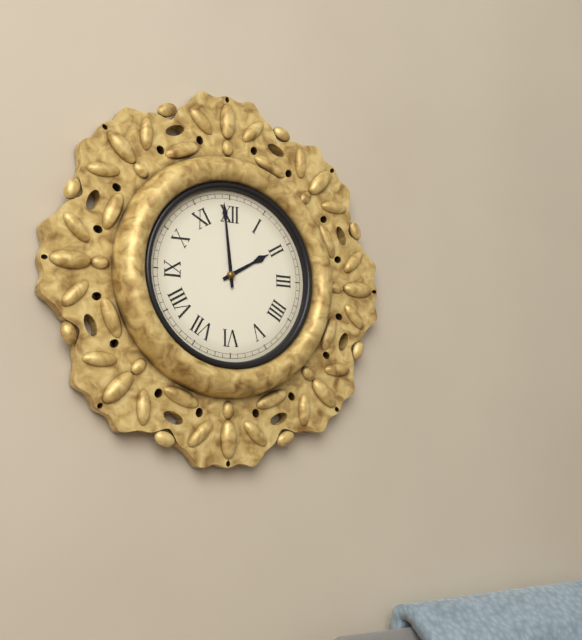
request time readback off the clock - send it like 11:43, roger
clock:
1:59
